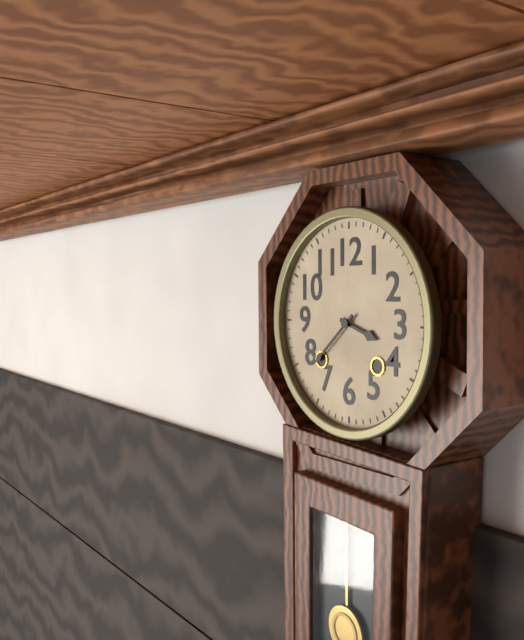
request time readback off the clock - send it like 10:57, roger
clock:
3:38
